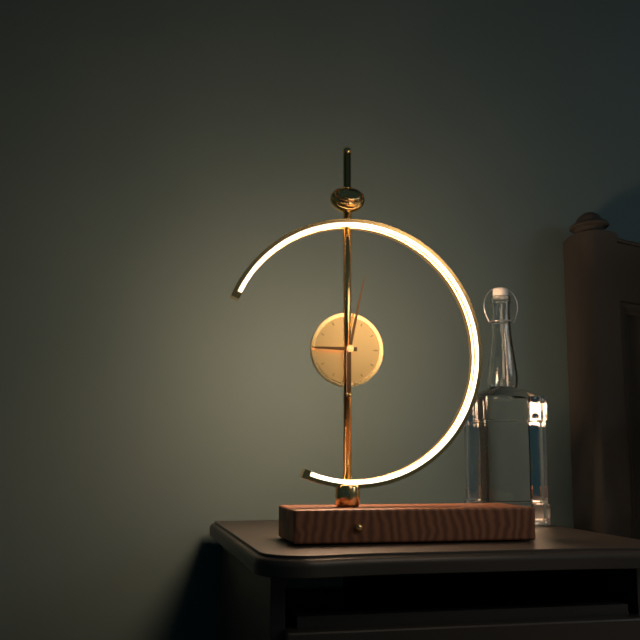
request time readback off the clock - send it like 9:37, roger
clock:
9:02
